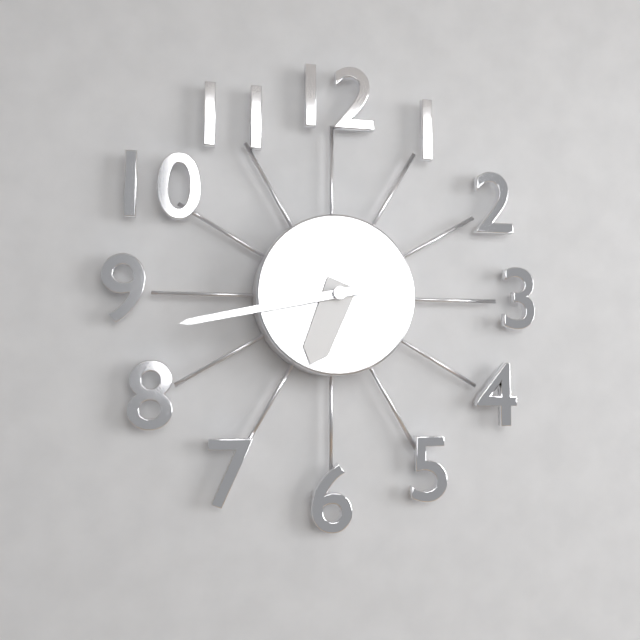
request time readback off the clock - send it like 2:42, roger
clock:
6:43
